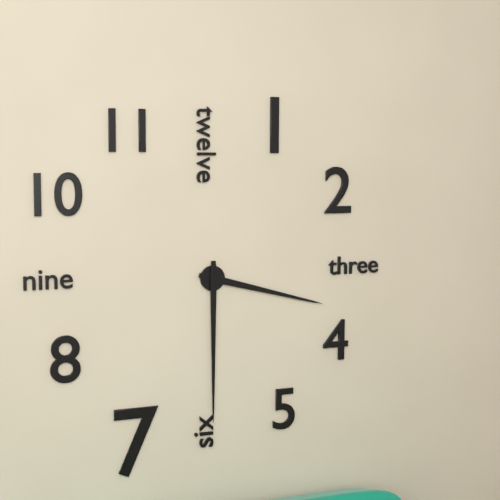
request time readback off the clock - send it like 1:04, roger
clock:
3:30
